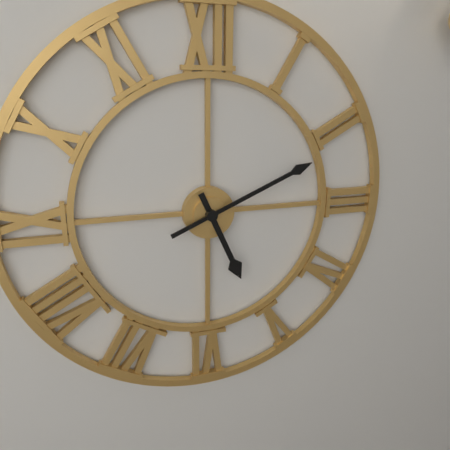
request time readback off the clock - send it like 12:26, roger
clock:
5:11
